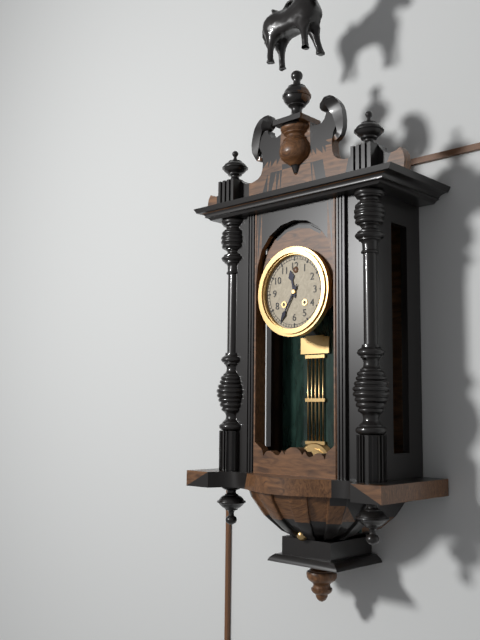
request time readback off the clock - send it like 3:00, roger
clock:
11:35
